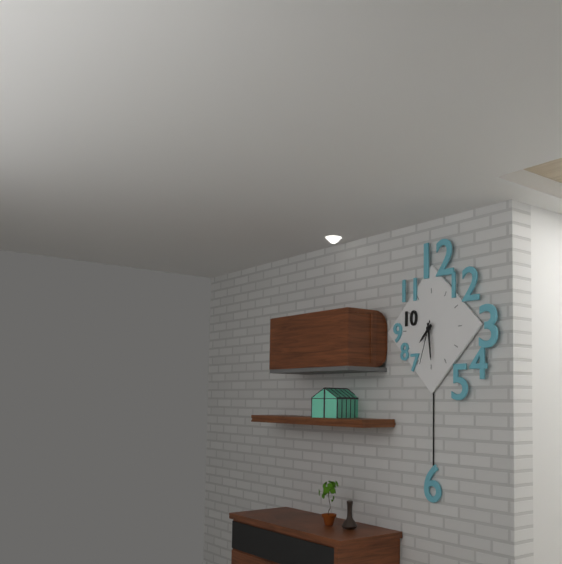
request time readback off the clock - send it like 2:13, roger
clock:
7:29
